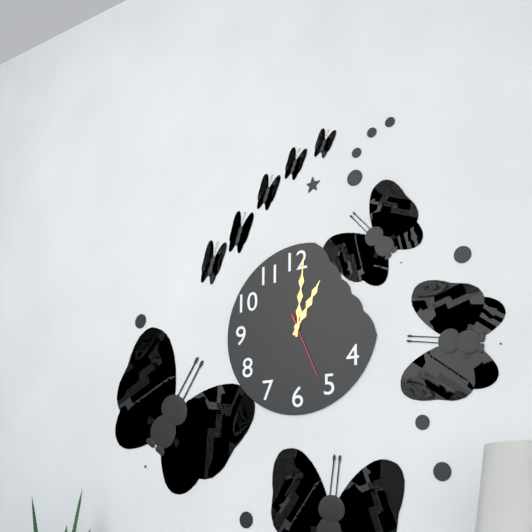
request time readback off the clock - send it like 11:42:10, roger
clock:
1:01:26
